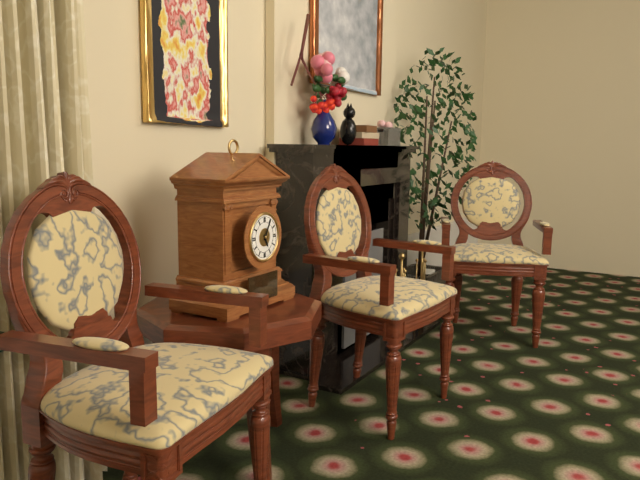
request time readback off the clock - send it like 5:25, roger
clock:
5:05
